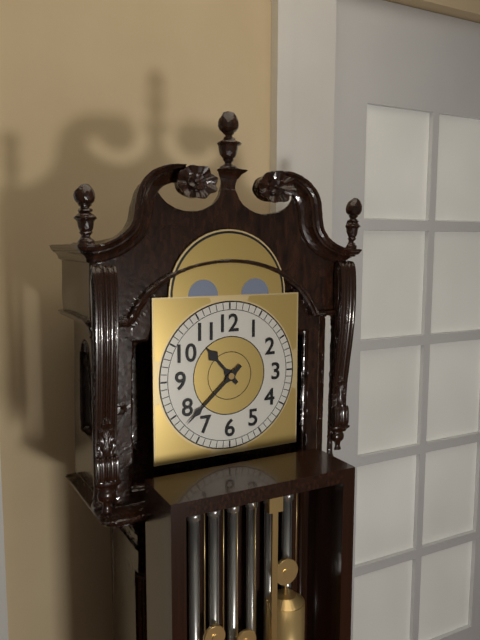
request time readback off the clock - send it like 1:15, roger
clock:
10:38
